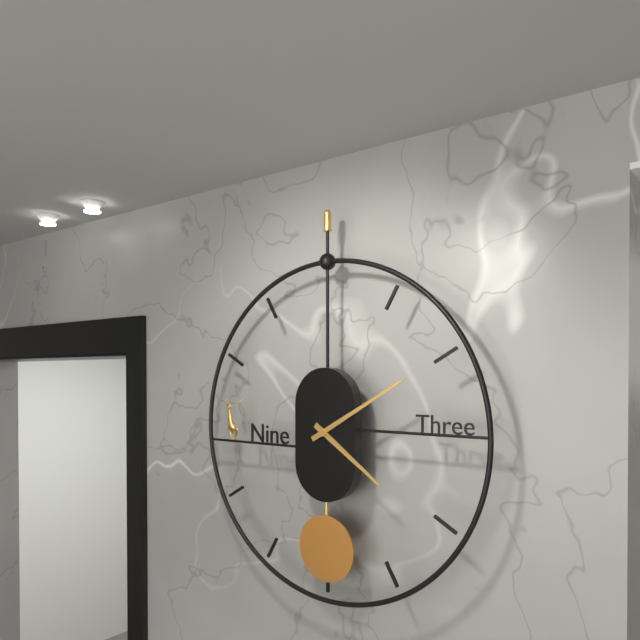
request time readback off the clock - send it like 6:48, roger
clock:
4:10
